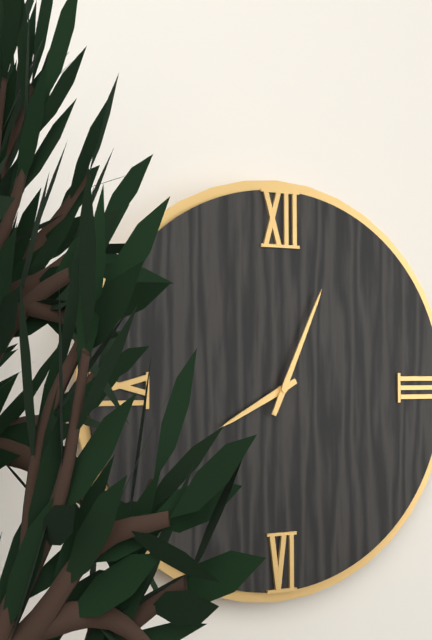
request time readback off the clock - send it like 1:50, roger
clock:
8:04
